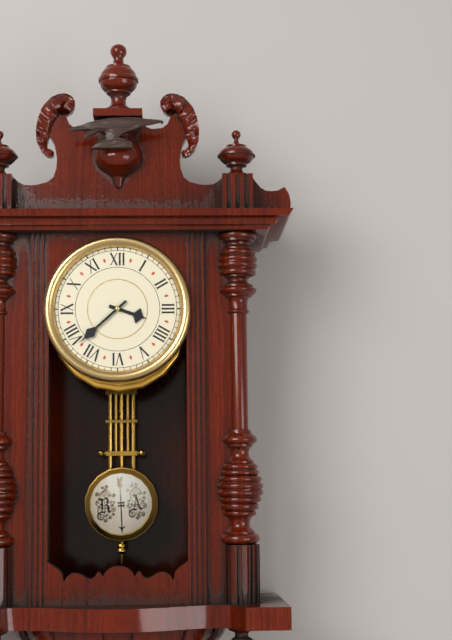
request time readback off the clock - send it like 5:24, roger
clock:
3:38
